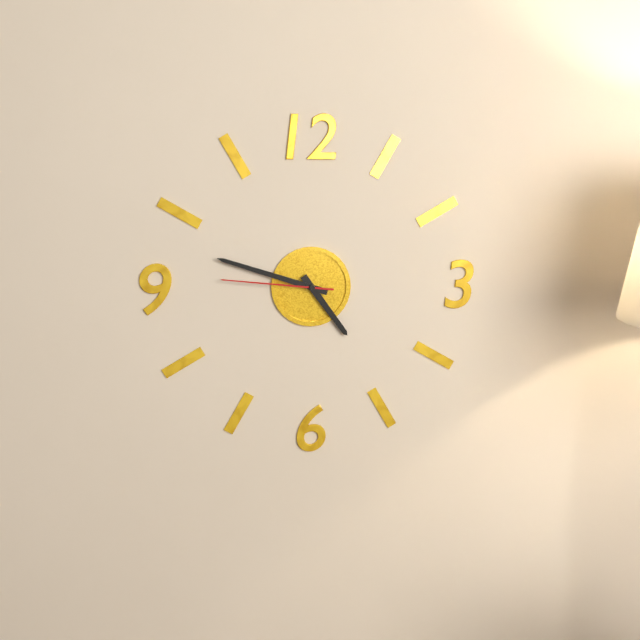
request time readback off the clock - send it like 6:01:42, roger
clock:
4:48:46
